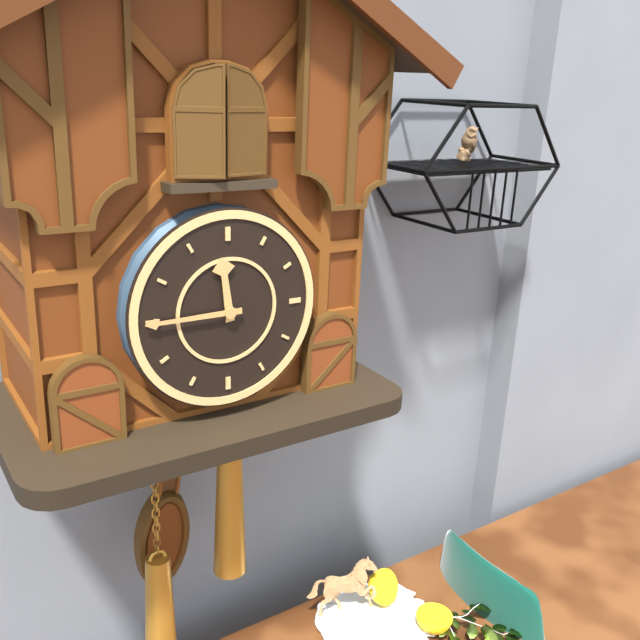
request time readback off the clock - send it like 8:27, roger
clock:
11:45
